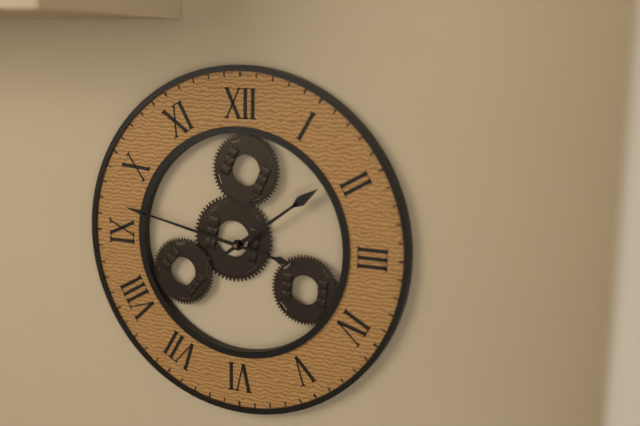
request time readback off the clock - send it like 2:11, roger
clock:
1:47
